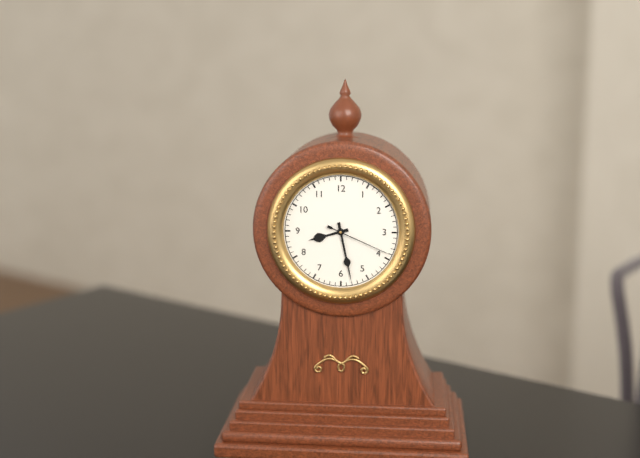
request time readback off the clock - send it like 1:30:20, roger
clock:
8:28:19
